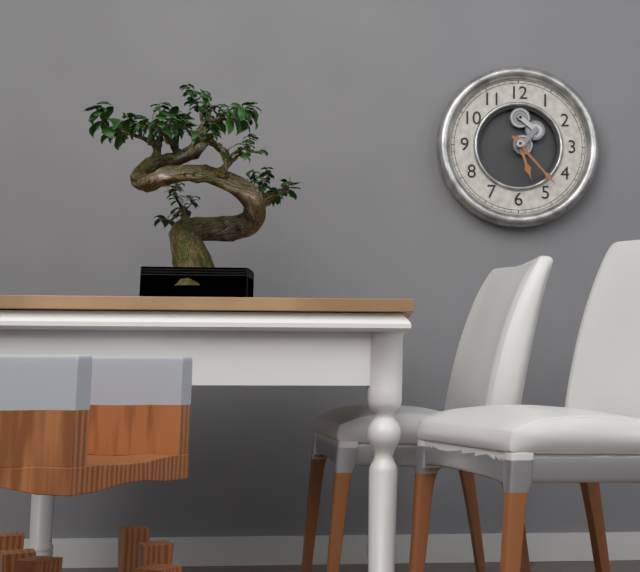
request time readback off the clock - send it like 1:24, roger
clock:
5:23
